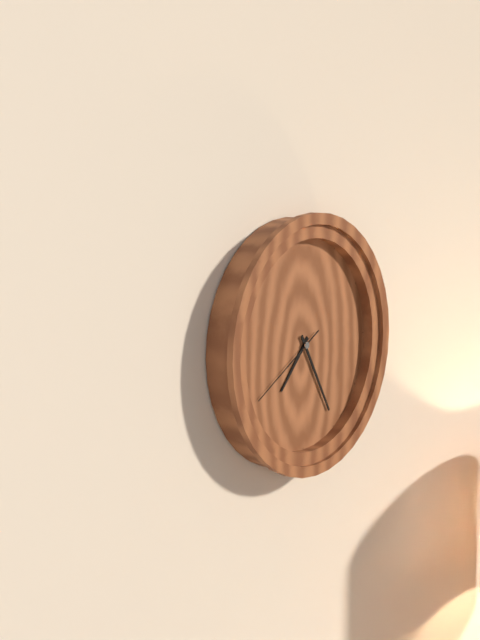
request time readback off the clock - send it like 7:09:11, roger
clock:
7:25:40
